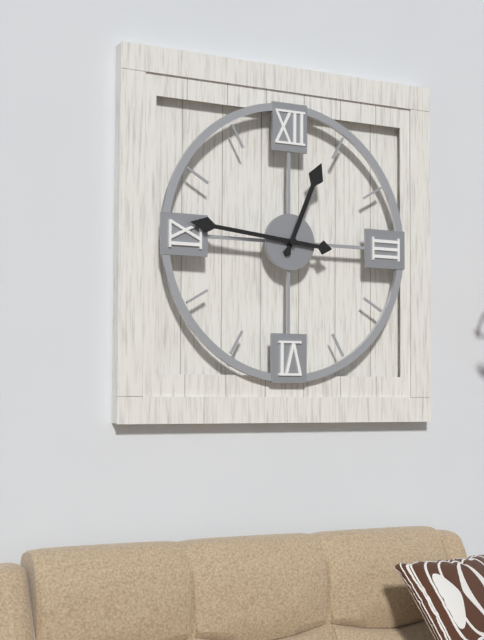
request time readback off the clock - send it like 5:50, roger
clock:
12:46
